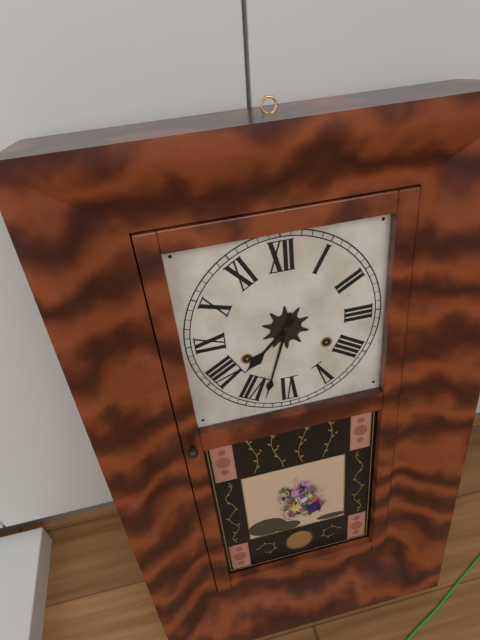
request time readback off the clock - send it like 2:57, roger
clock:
7:33
